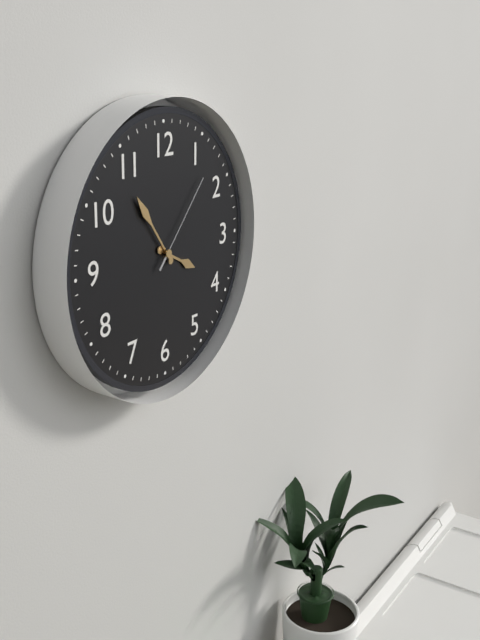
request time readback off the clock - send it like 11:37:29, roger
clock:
3:54:07
